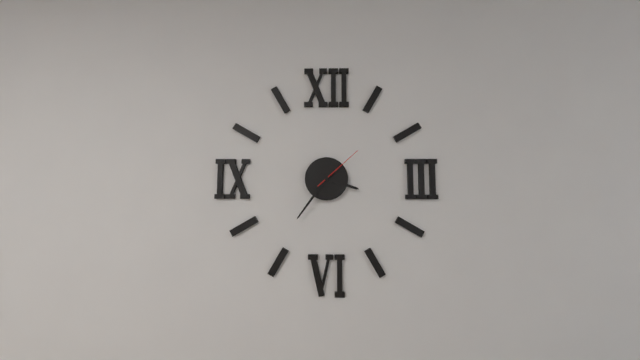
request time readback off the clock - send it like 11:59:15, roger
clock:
3:36:08
